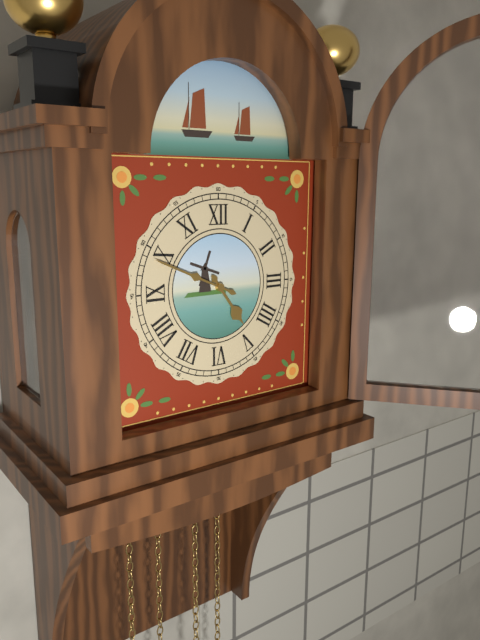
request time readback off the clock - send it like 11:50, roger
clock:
4:49
